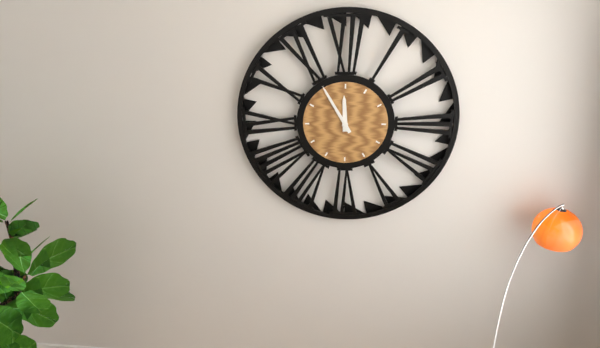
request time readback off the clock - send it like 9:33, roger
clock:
11:55
